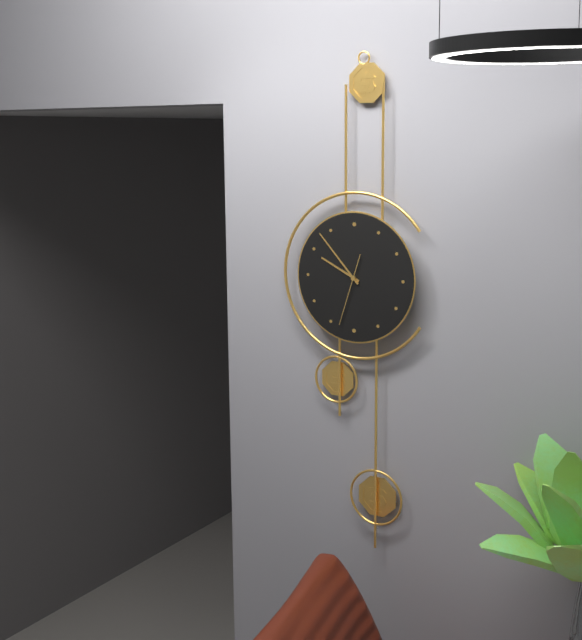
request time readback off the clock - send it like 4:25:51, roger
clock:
9:53:33
